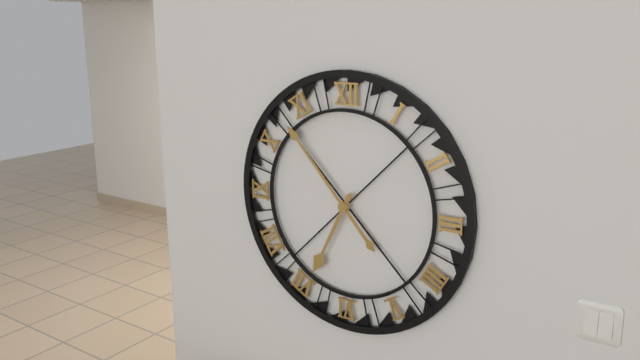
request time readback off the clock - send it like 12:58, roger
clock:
6:53
